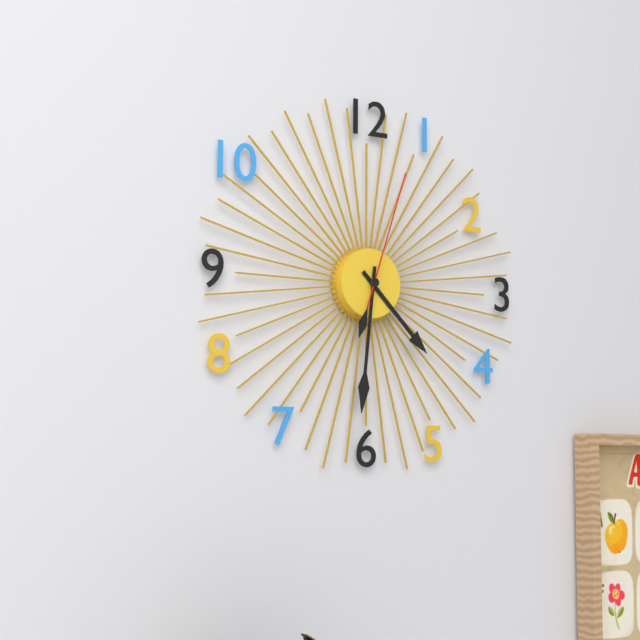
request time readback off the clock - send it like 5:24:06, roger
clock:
4:31:03
